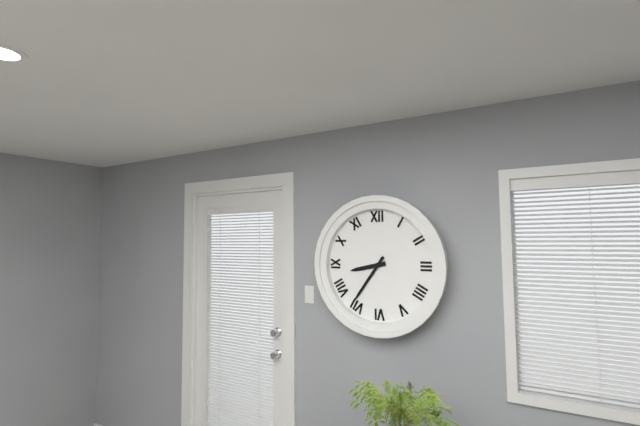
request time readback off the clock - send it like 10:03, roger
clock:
8:36
